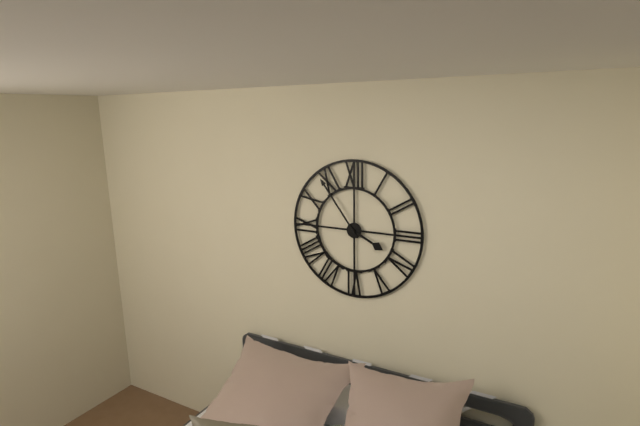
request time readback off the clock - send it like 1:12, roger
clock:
3:54
